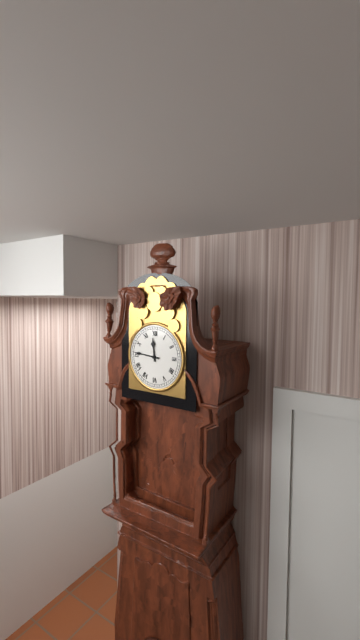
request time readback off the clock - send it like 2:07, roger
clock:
11:46
